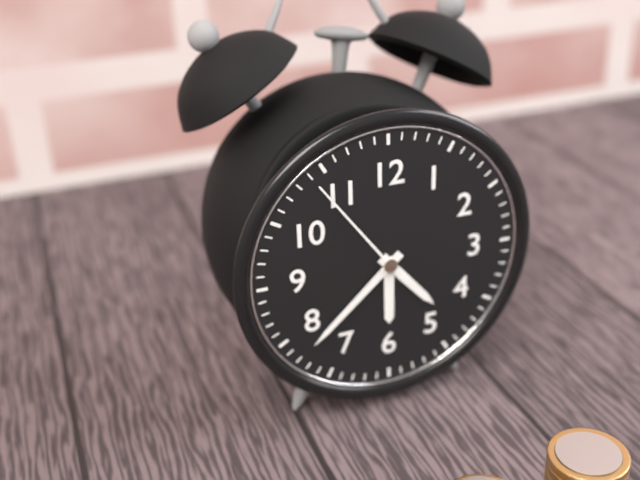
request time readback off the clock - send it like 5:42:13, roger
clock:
4:38:54
